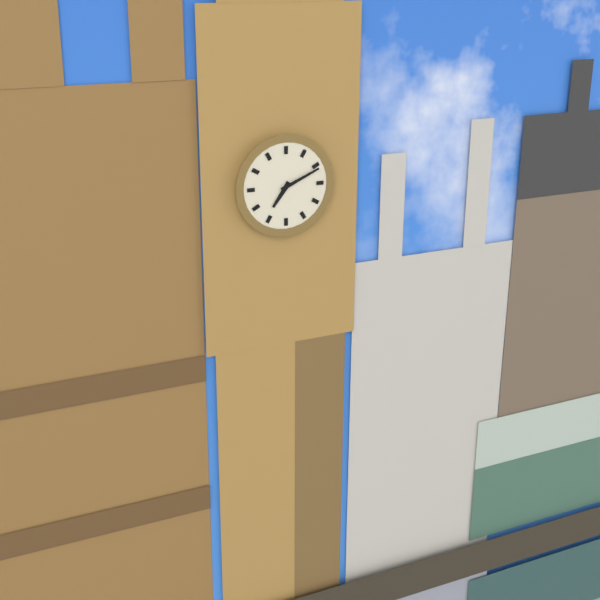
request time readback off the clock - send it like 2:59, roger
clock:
7:11
